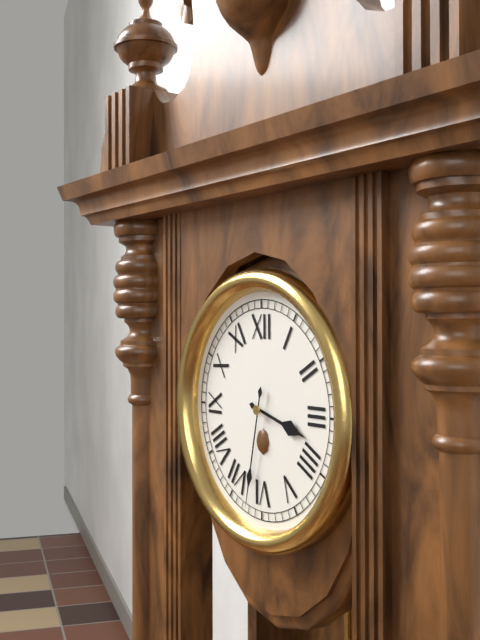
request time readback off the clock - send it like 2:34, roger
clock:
3:32
